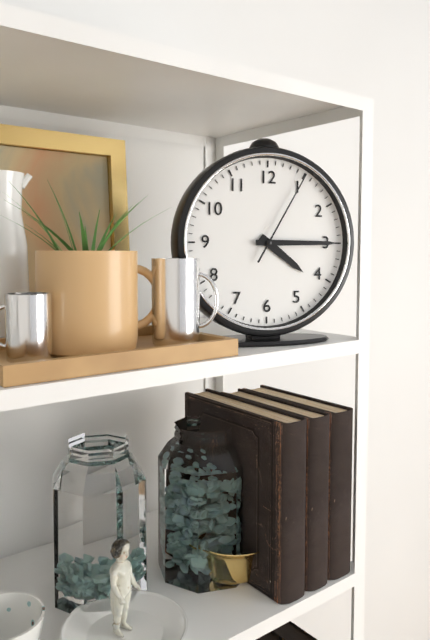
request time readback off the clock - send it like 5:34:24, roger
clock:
4:15:05
